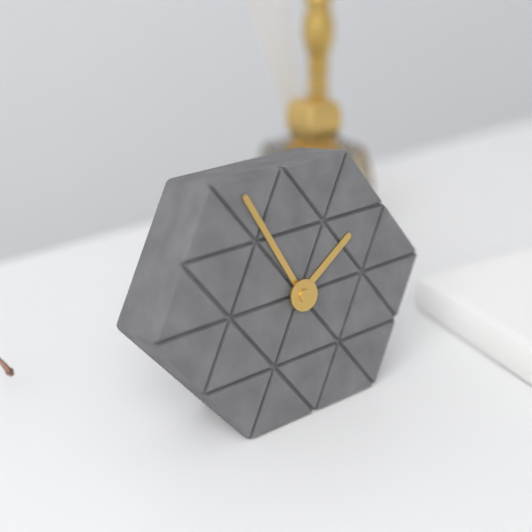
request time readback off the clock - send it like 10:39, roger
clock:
1:56
